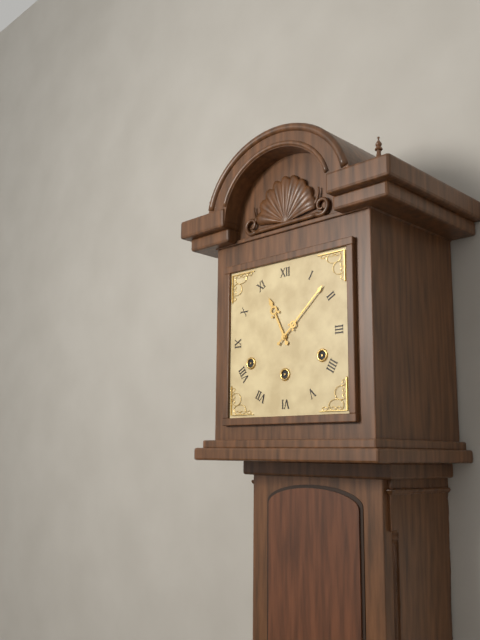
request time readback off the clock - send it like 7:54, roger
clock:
11:08
